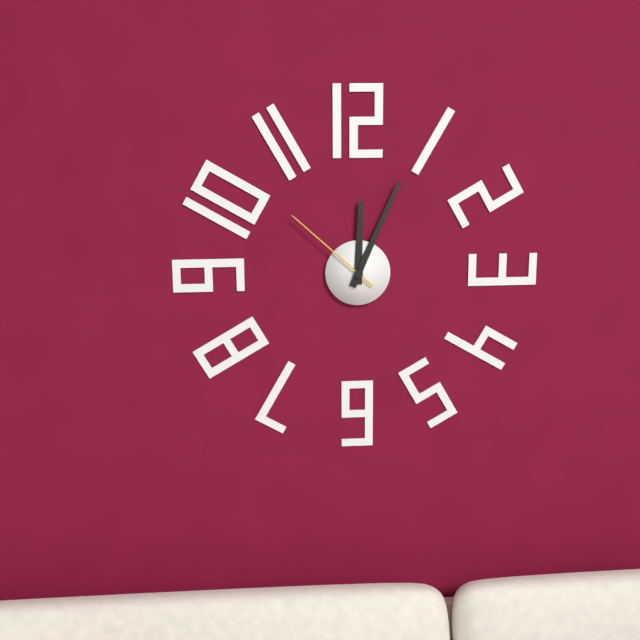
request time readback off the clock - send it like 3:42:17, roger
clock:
12:04:52
